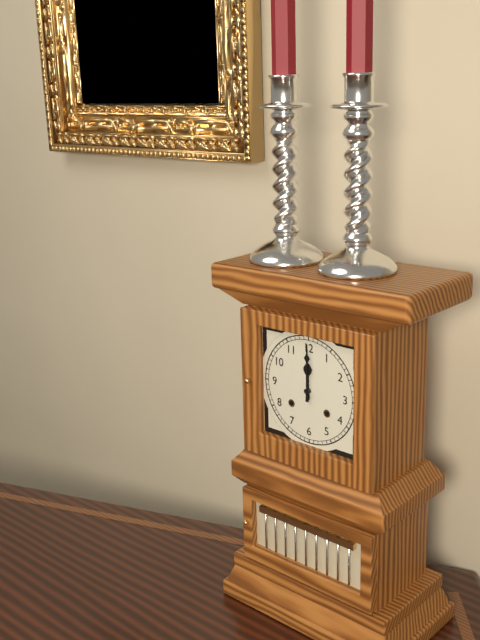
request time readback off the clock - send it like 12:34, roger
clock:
12:00
